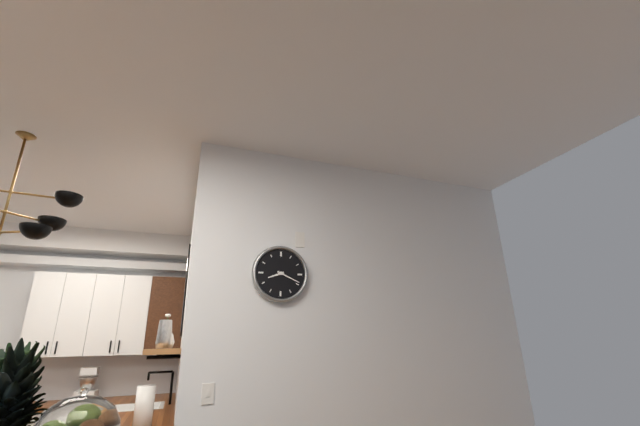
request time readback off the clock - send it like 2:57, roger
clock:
8:19
